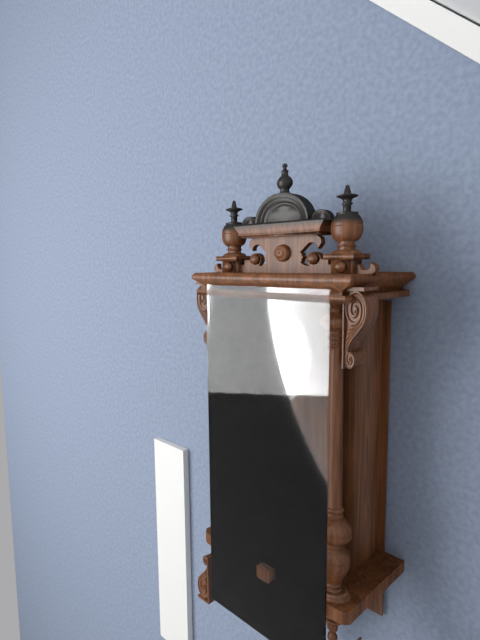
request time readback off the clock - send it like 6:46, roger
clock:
11:17
